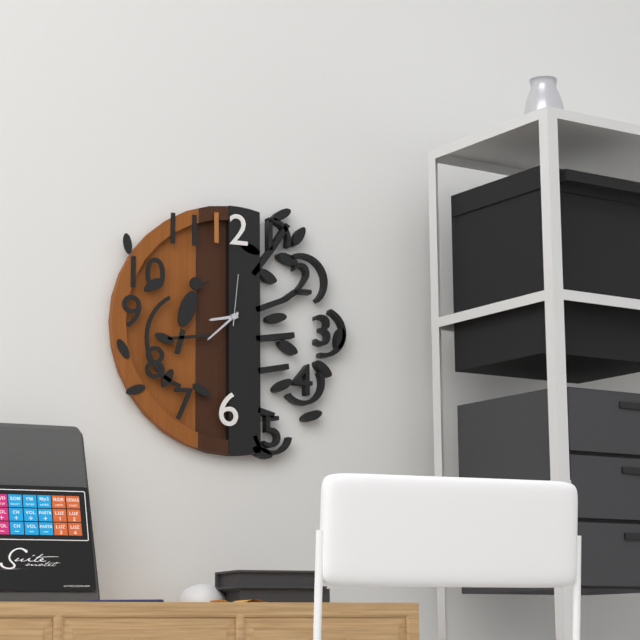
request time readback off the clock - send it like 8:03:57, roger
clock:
8:38:01
